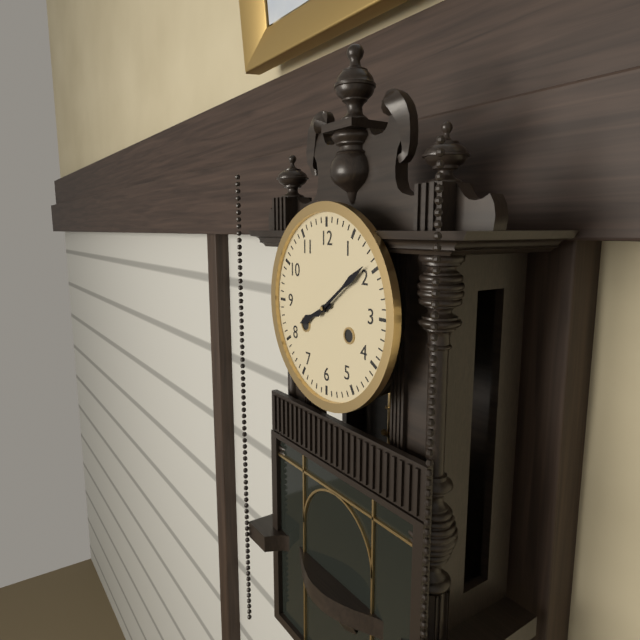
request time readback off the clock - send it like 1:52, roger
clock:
8:09
